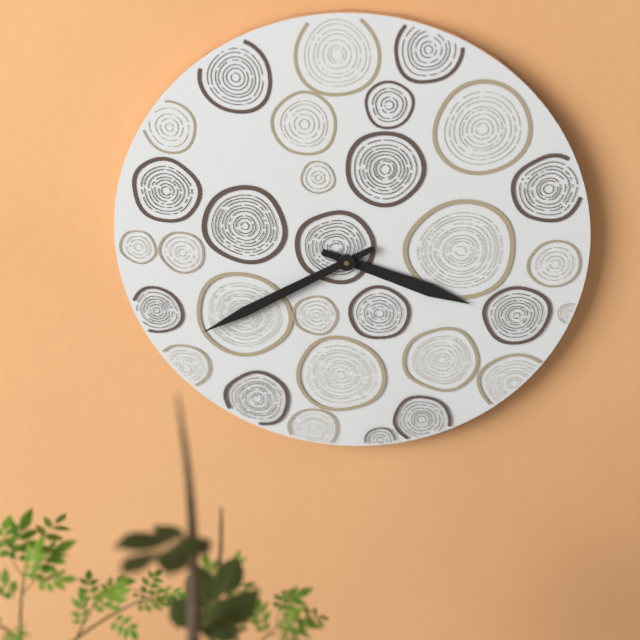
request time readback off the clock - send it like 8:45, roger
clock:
3:40
